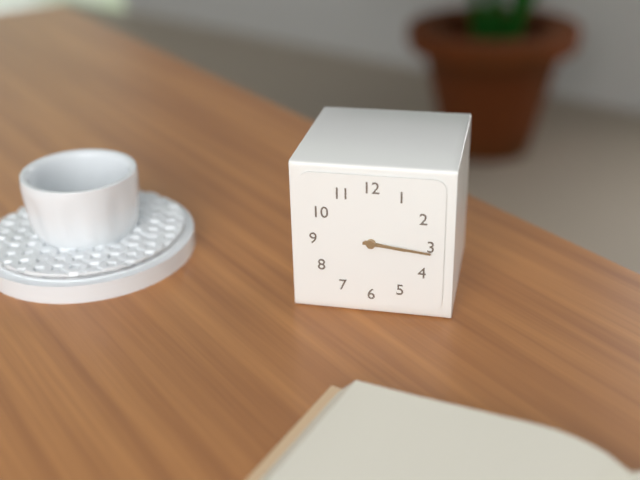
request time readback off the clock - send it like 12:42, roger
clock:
3:16
